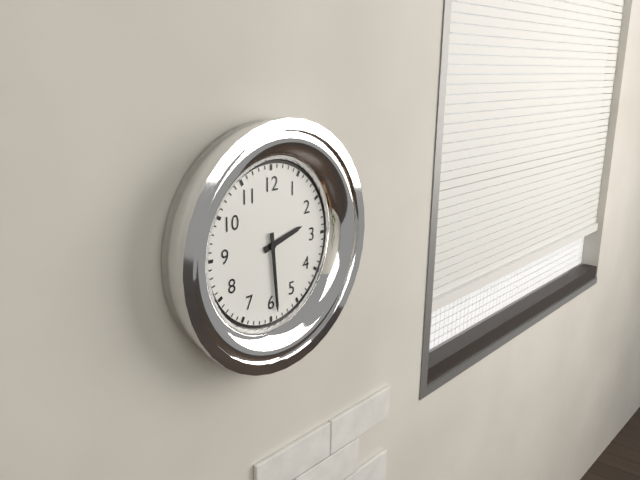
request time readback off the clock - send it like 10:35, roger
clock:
2:29
